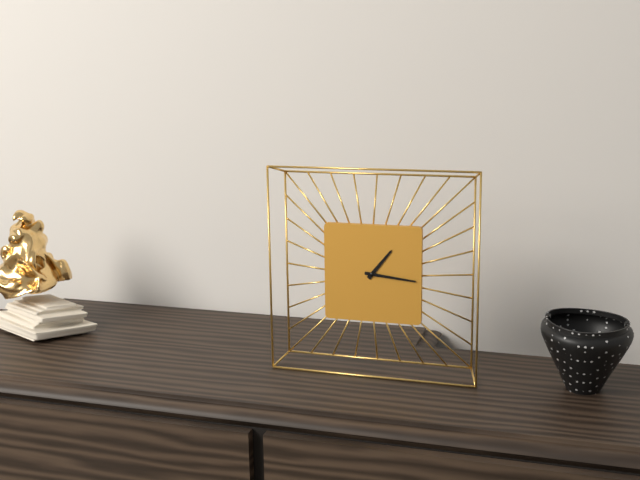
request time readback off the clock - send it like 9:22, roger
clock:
1:16
